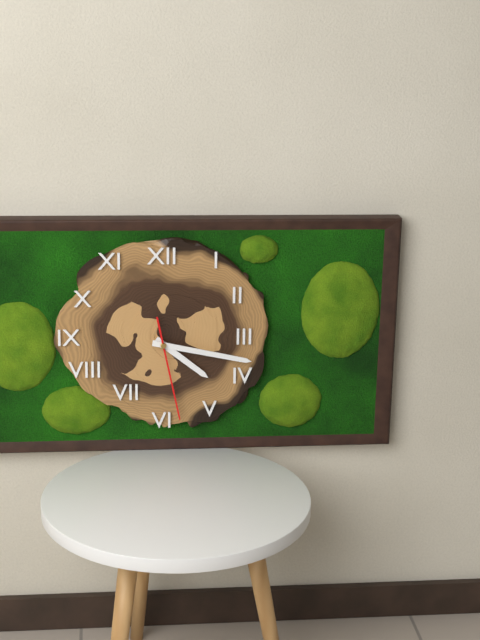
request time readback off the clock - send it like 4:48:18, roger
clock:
4:17:28
